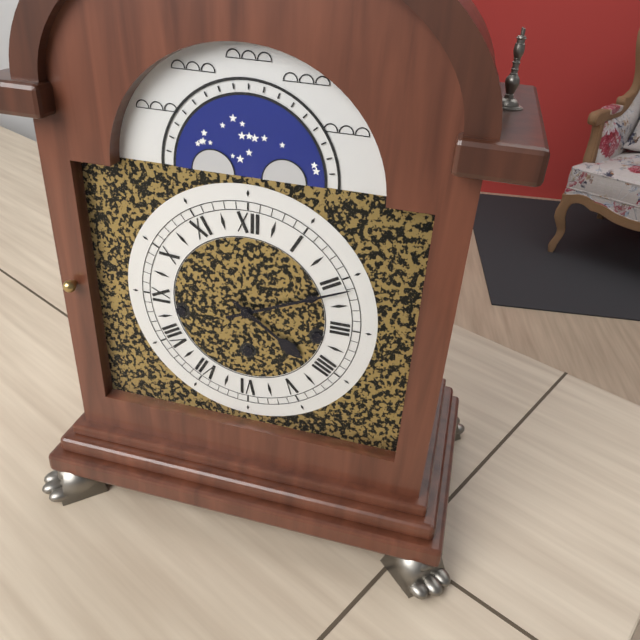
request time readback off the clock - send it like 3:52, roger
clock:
4:11
